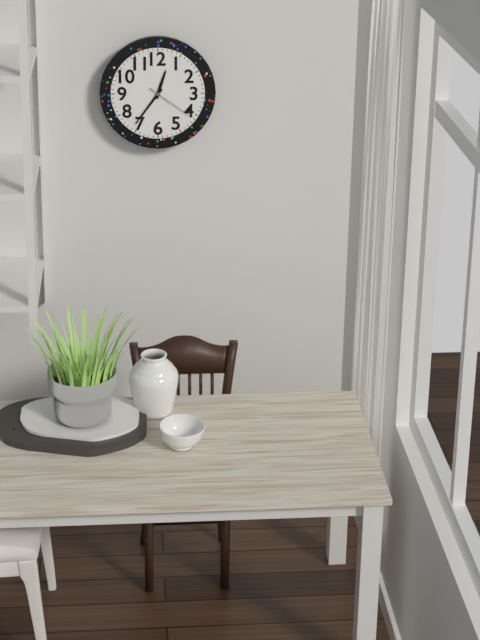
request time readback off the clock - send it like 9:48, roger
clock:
12:36
